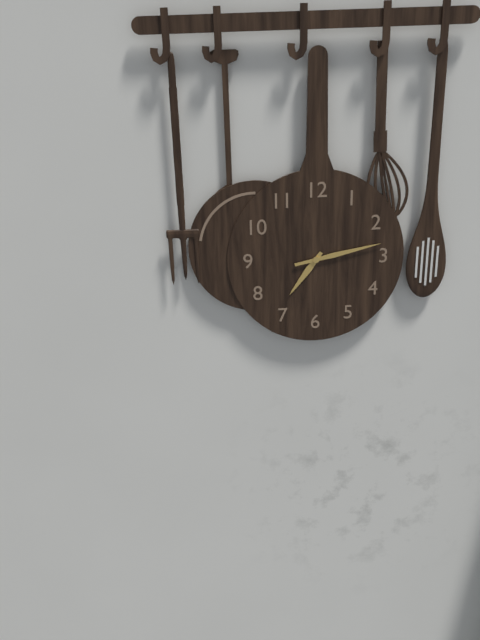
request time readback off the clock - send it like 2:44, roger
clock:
7:13
